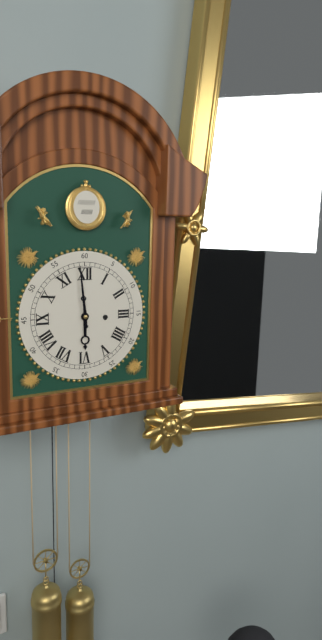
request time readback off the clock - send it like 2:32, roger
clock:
5:59
